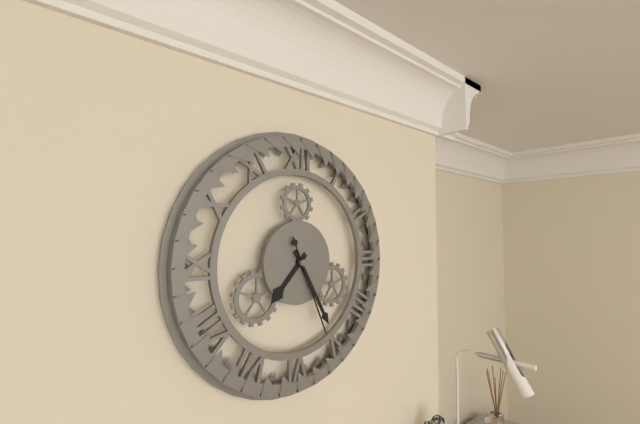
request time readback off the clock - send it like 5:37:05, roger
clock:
7:25:26
